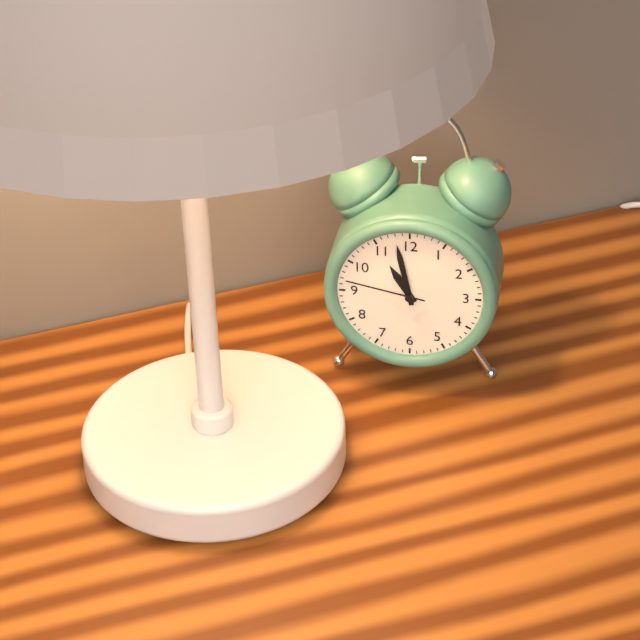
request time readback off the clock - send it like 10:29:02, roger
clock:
10:58:47
